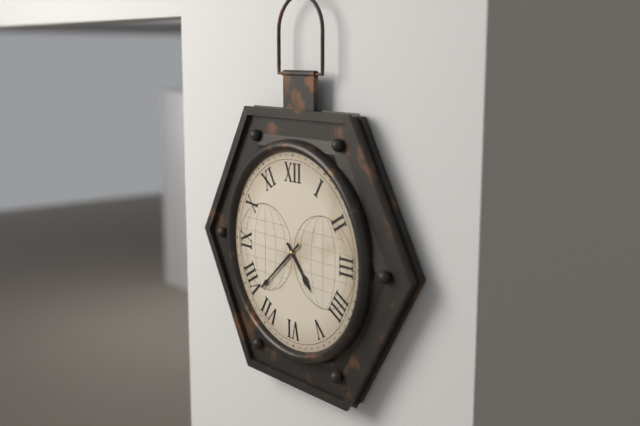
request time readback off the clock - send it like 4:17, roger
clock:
4:38
